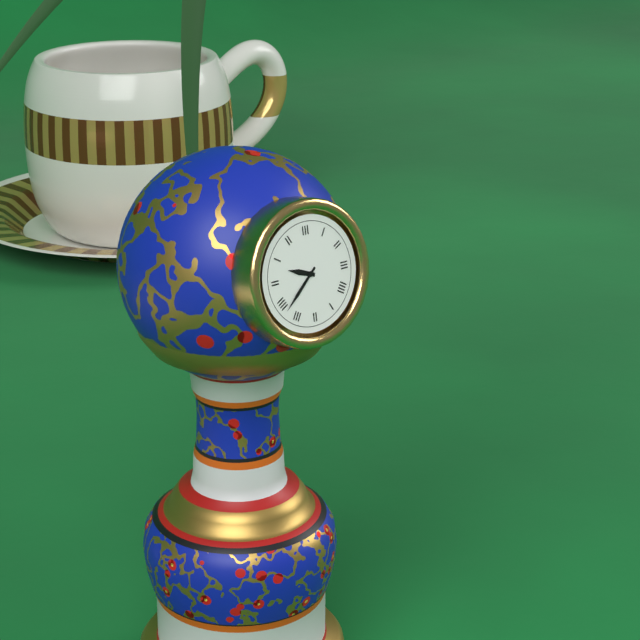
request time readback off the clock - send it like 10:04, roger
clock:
9:38
